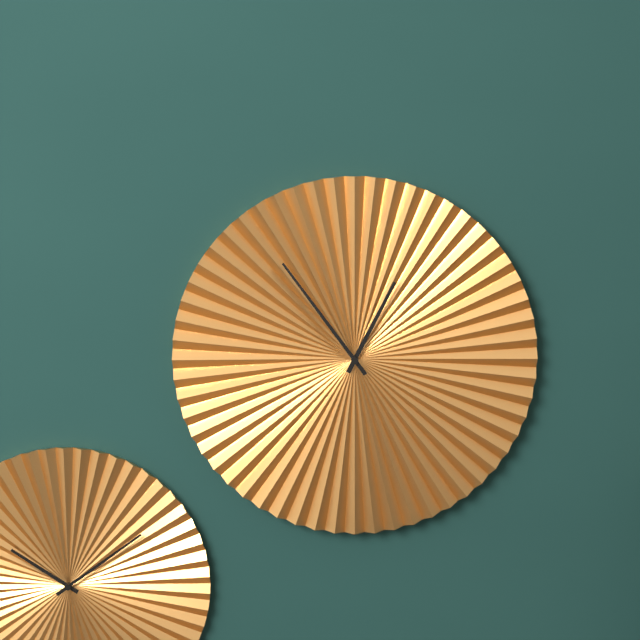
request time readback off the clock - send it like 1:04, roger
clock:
12:54
